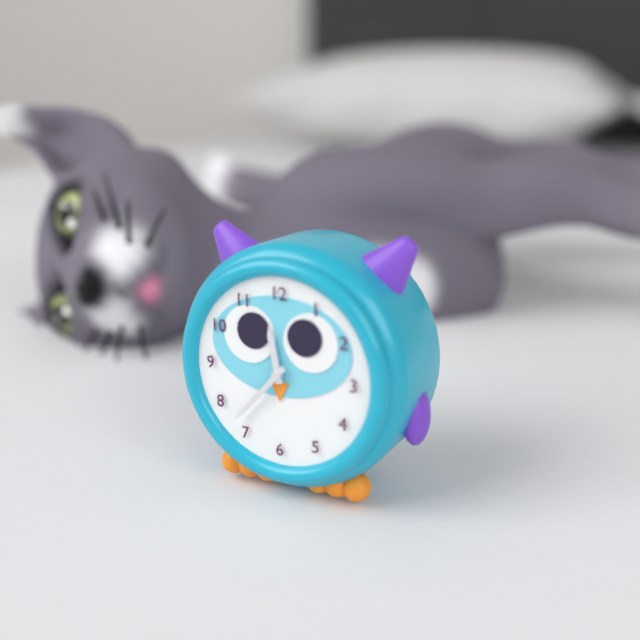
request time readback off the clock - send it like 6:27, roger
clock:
11:37
